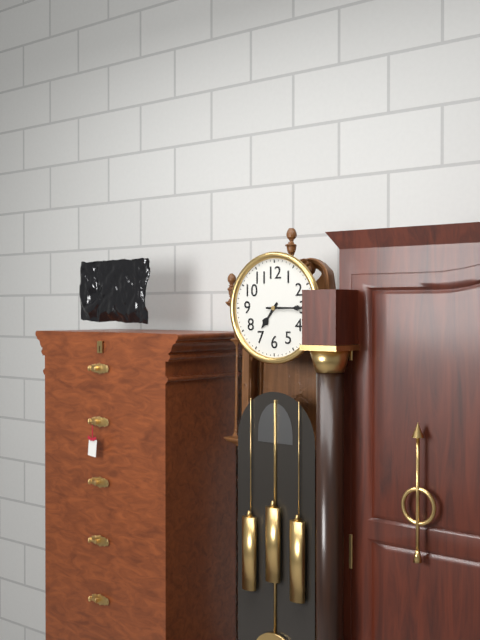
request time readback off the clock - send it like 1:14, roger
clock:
7:15
